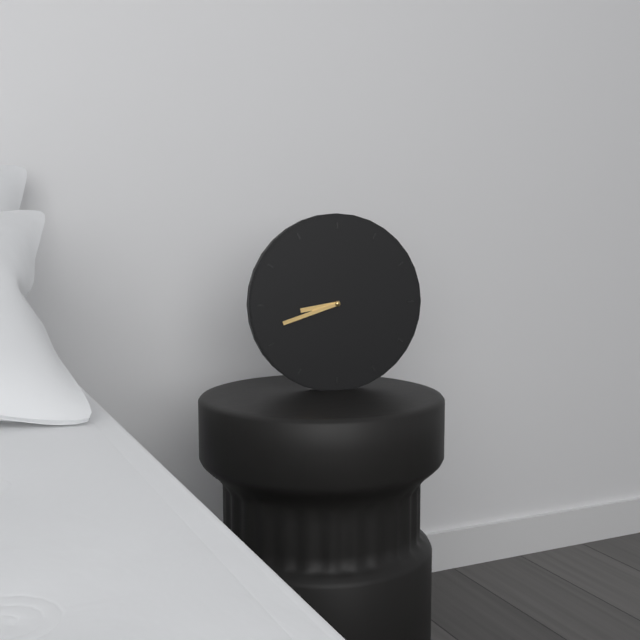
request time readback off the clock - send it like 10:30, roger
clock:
8:42
